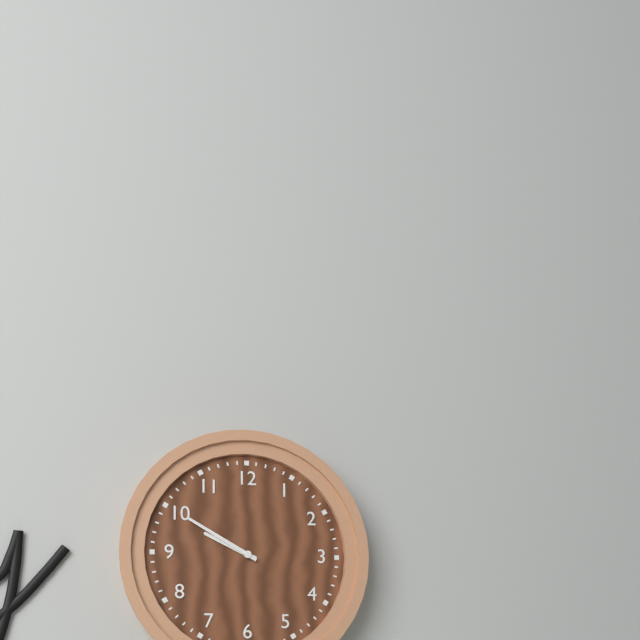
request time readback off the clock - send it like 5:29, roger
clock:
9:50
